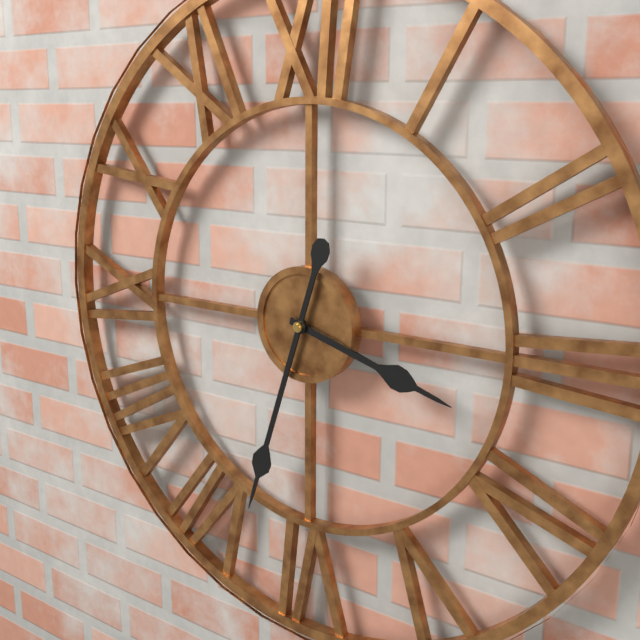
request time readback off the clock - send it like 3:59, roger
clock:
3:33
